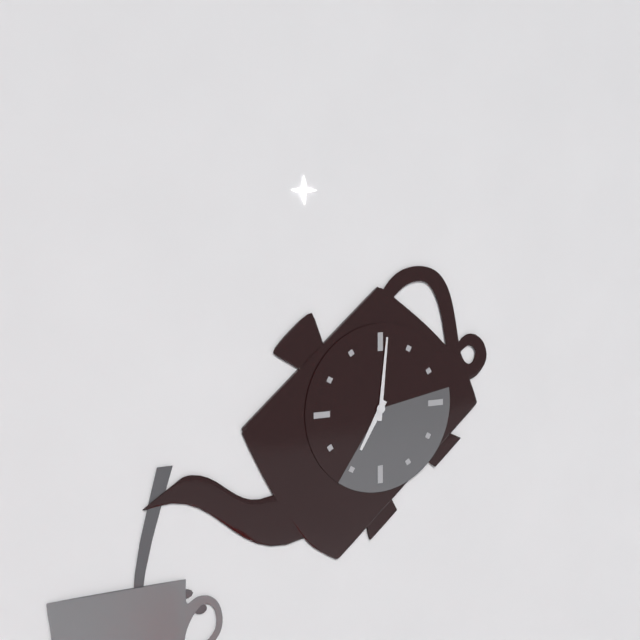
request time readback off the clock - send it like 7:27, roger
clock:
7:01
